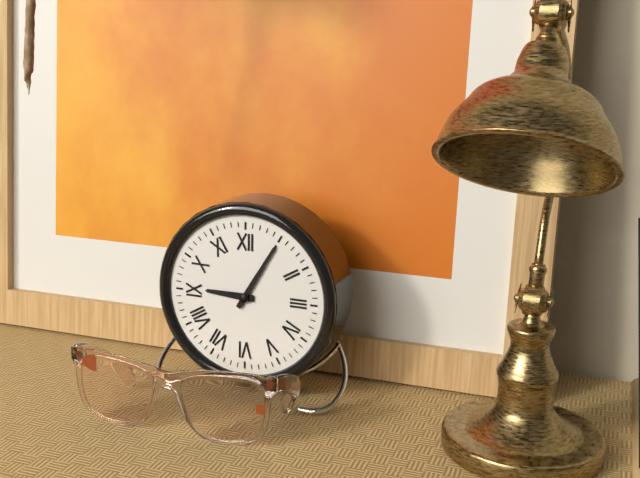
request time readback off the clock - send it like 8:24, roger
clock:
9:05
